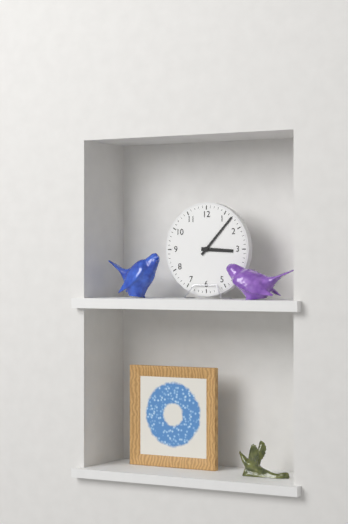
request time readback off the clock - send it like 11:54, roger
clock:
3:07
